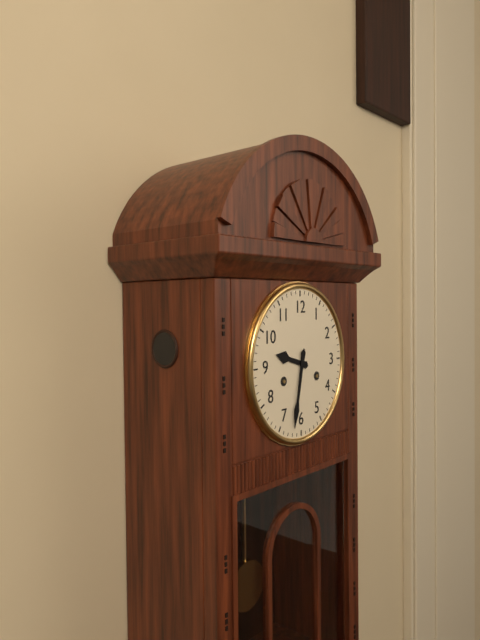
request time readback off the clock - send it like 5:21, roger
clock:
9:32
